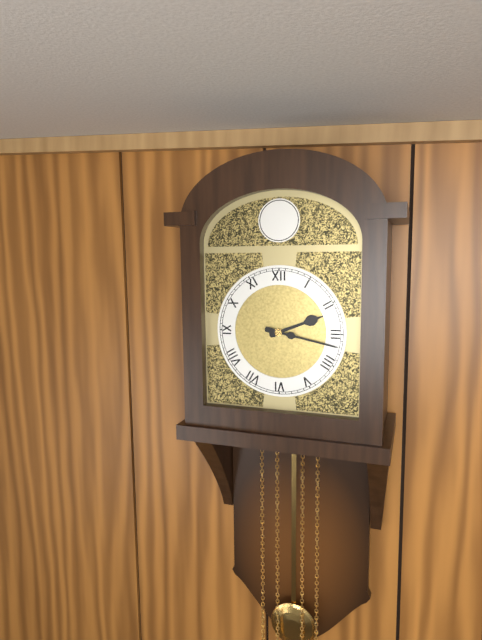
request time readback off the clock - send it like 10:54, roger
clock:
2:17
